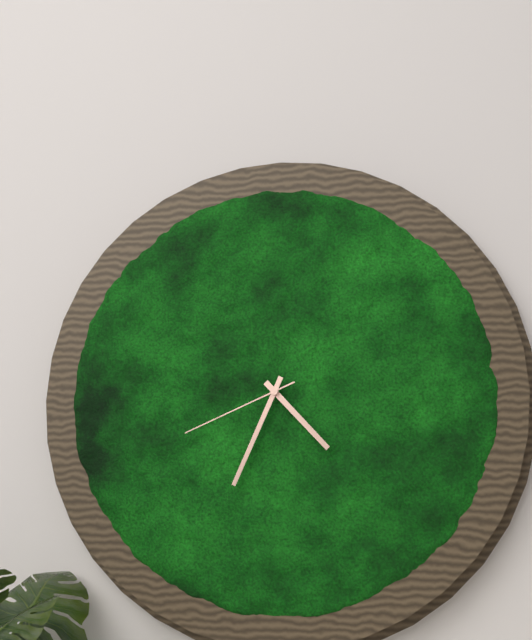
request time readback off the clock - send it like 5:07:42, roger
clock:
4:34:41
